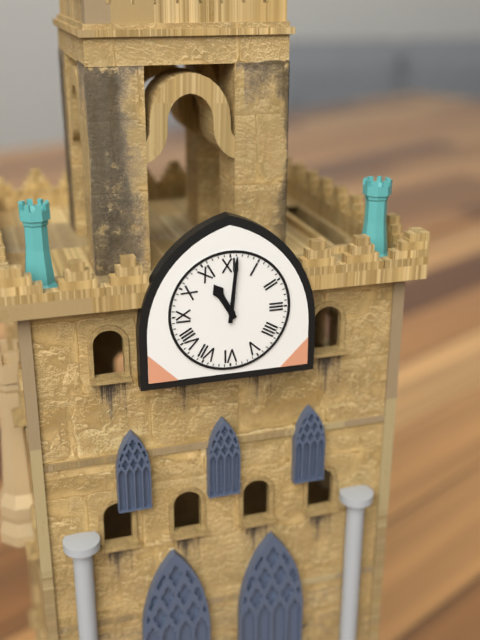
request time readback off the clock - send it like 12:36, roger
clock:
11:01
